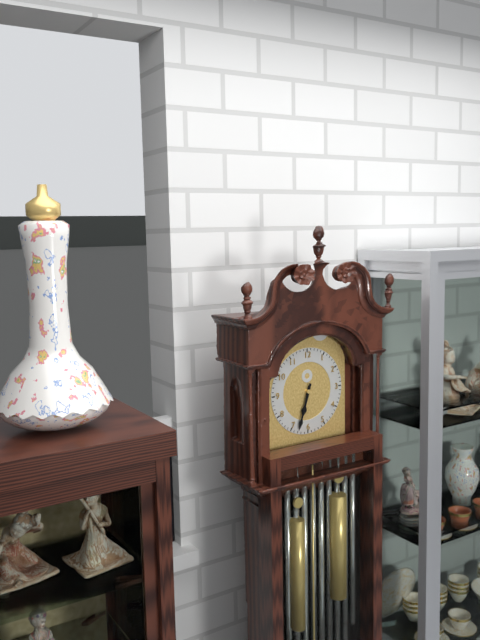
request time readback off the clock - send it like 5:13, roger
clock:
6:33
